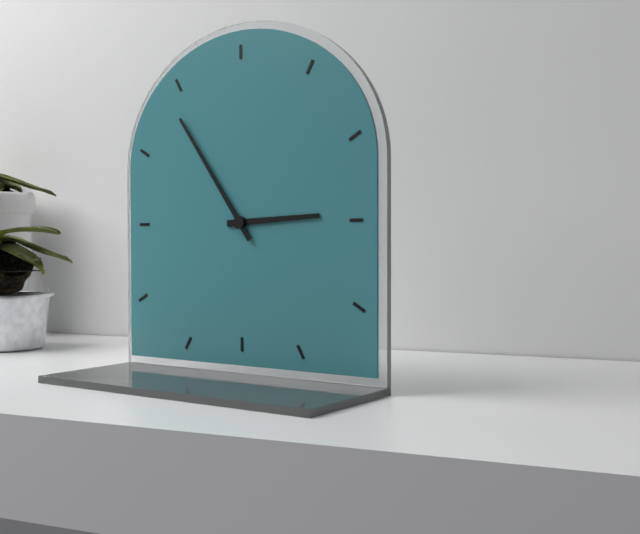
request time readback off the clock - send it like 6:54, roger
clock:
2:54
